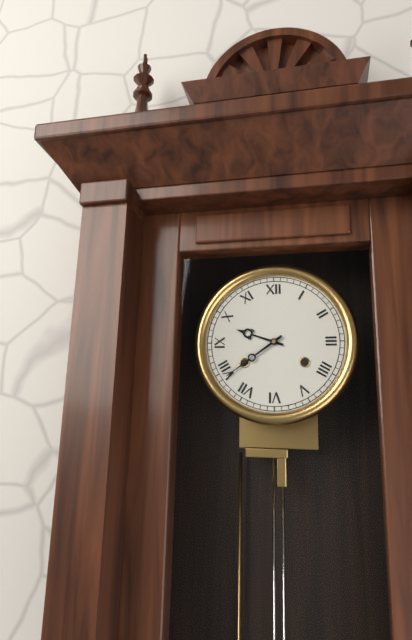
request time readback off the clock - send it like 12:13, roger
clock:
9:39
